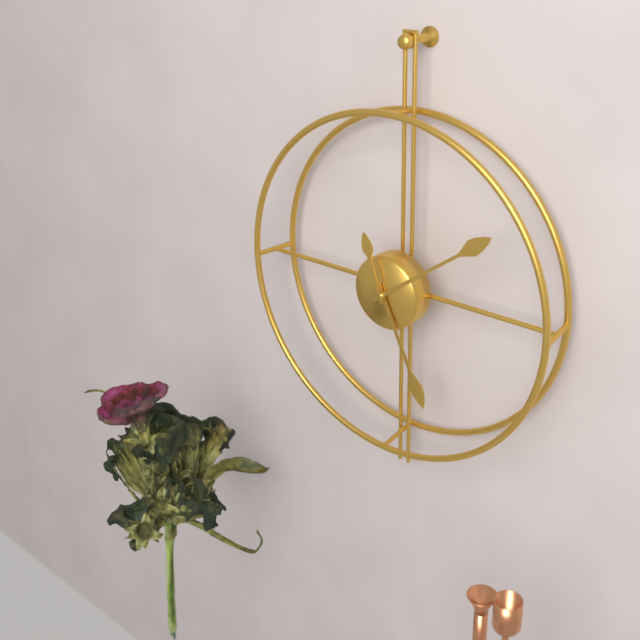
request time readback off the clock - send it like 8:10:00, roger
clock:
5:09:57
